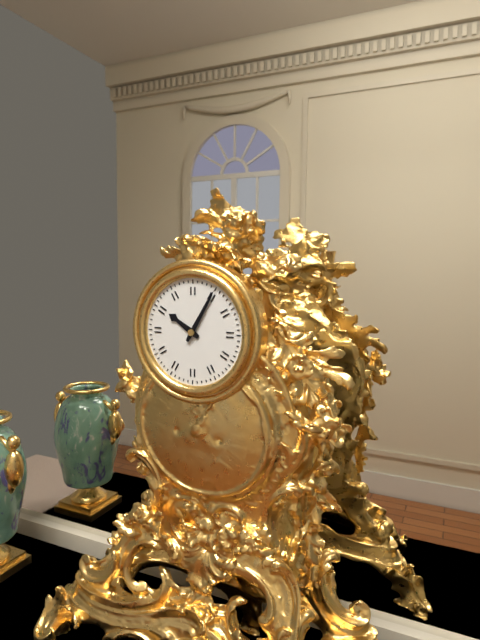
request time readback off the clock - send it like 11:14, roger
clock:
10:05
